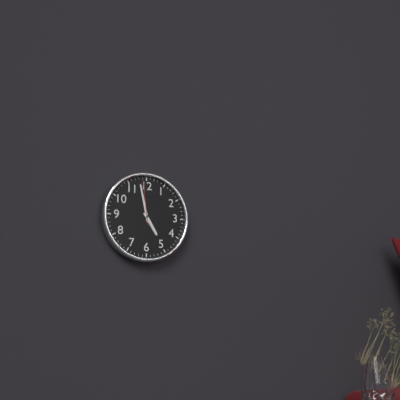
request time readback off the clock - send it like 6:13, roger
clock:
4:58
